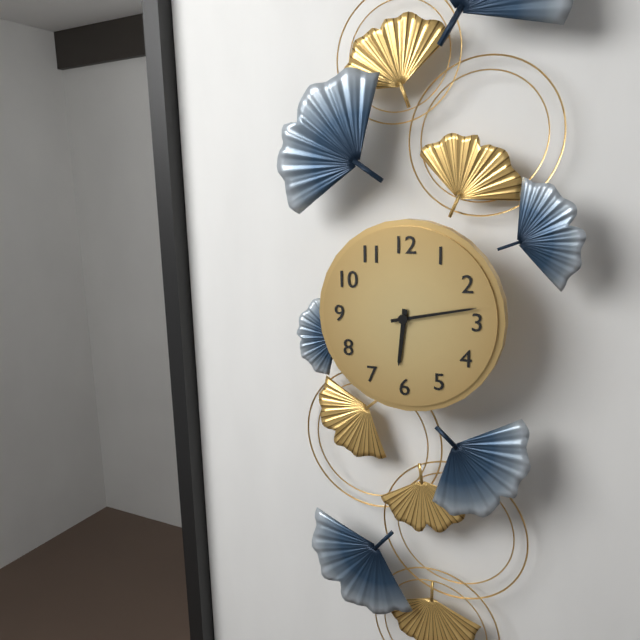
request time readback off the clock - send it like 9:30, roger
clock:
6:13
